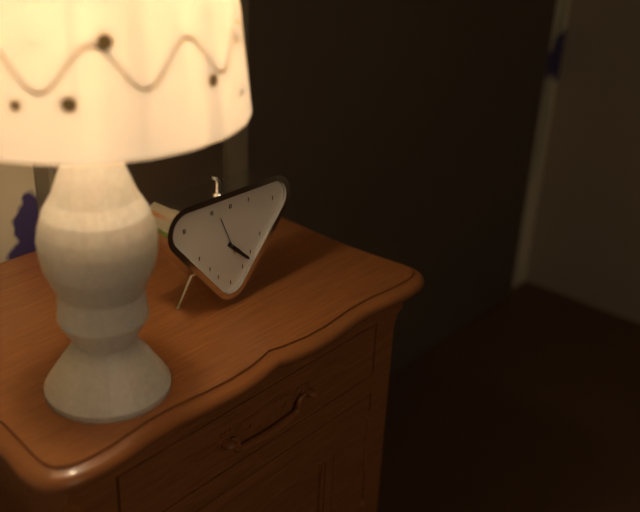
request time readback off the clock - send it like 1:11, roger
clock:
4:22
